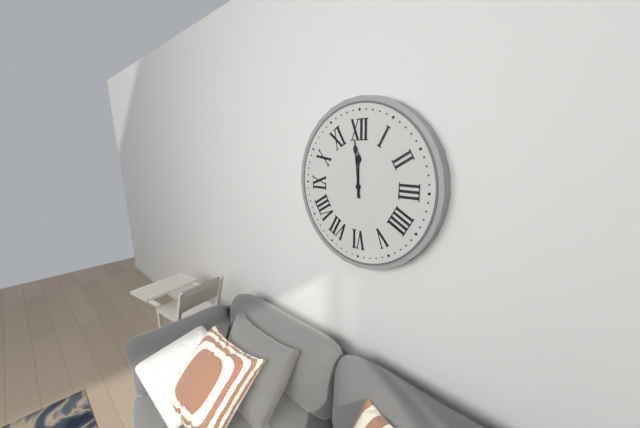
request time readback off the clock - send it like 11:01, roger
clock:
11:59
